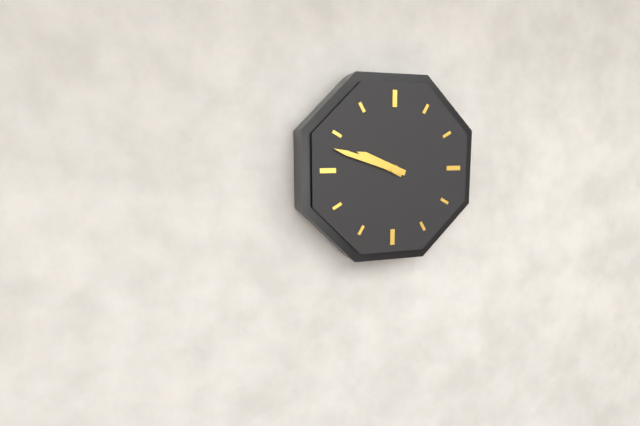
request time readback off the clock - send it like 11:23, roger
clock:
9:48
